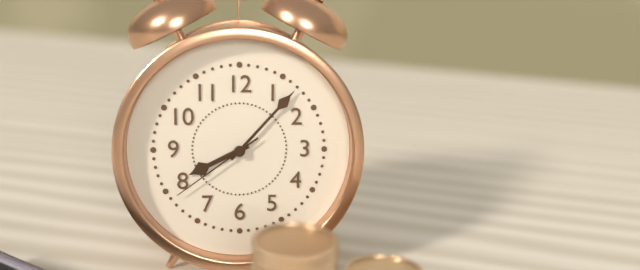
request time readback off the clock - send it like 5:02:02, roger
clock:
8:07:39
